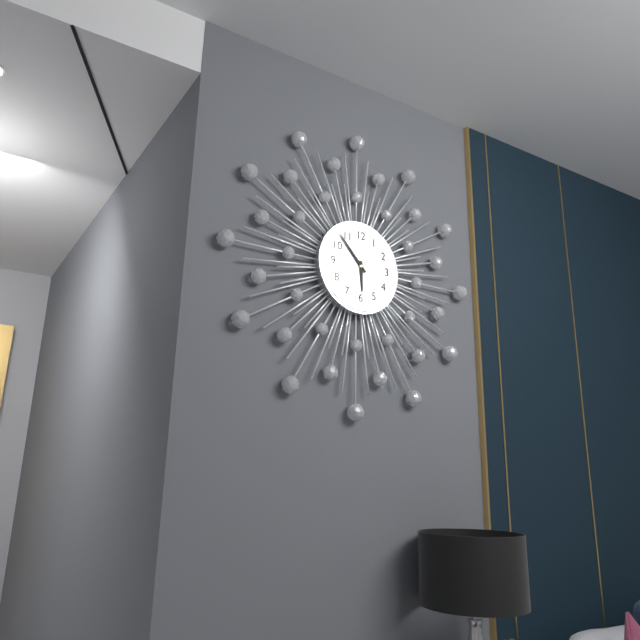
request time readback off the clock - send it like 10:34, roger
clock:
5:53
